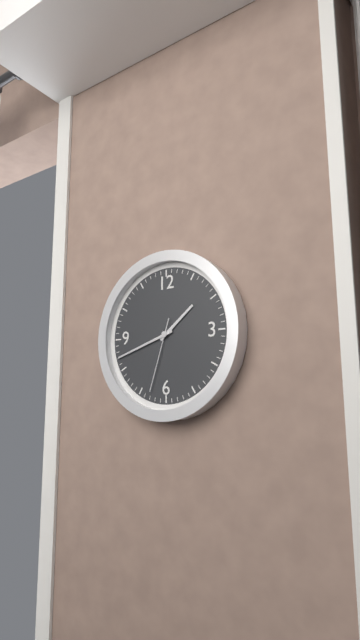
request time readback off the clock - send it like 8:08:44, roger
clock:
1:42:33
